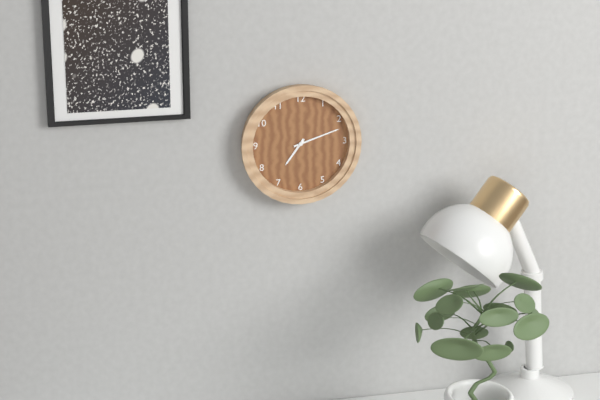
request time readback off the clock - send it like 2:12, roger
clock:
7:12
